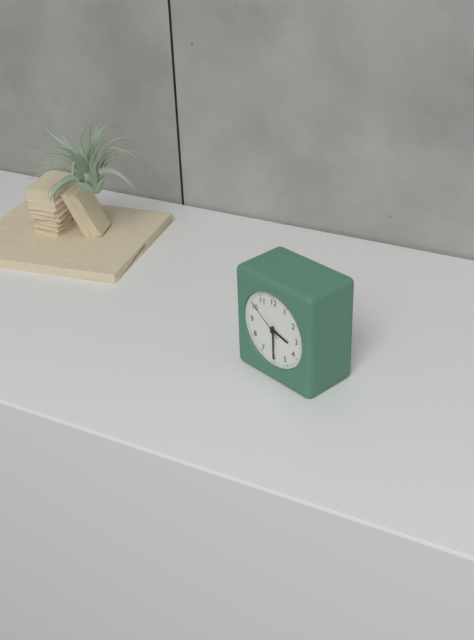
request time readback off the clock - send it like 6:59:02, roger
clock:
3:30:51
